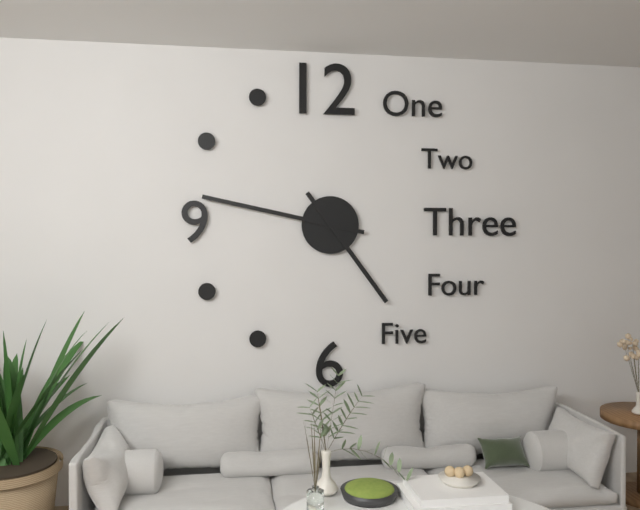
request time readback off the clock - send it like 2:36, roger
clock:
4:47
